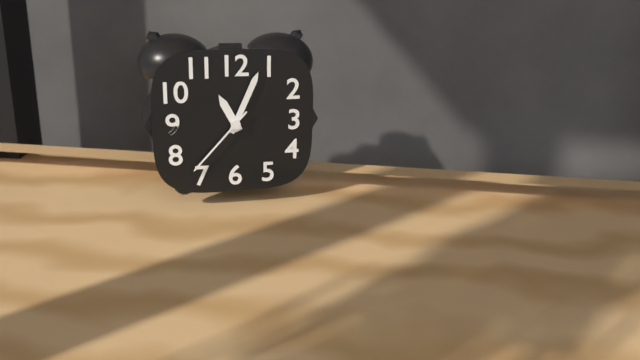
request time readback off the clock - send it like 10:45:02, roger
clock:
11:04:37
